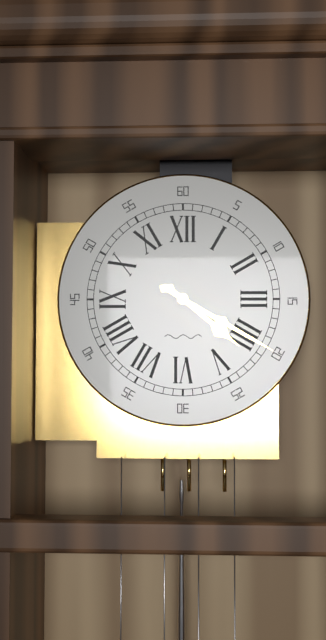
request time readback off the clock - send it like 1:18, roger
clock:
4:20
